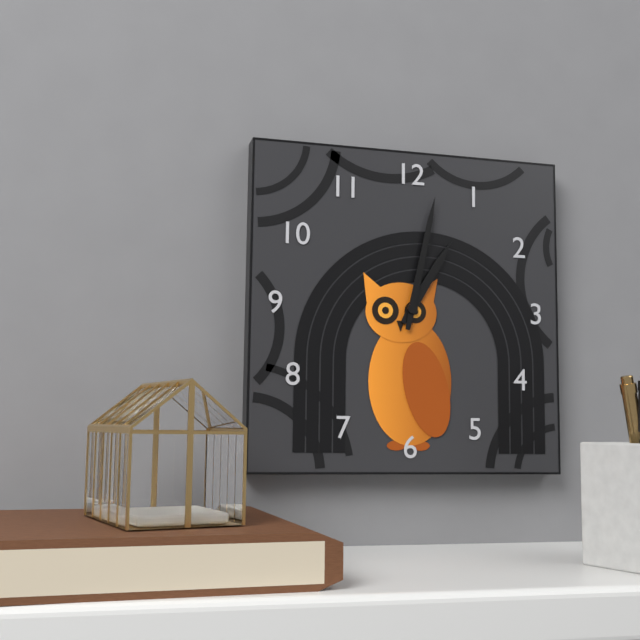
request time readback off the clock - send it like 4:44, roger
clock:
1:02
